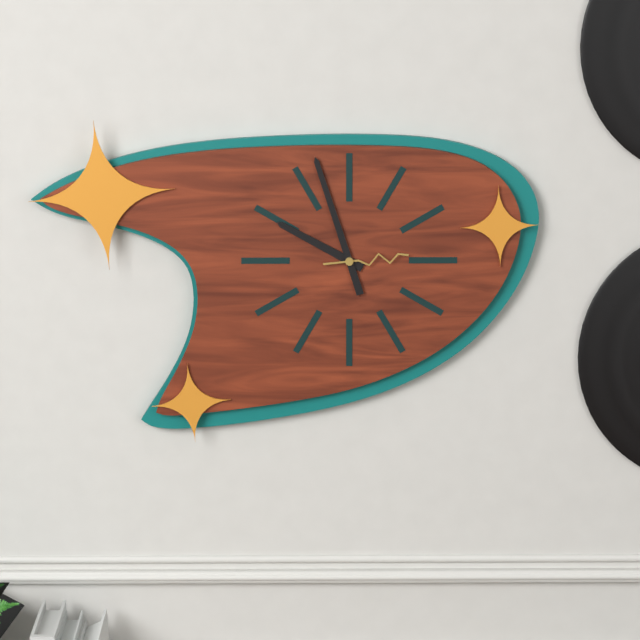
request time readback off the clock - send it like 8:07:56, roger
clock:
9:57:14
